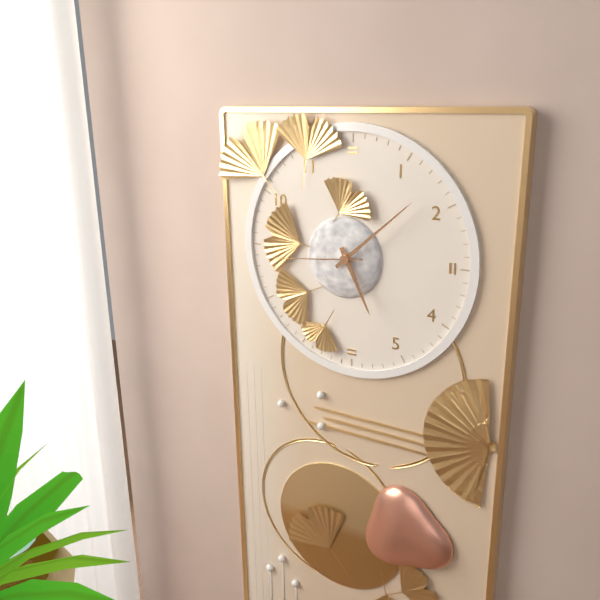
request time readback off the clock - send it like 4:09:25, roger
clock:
5:08:44
